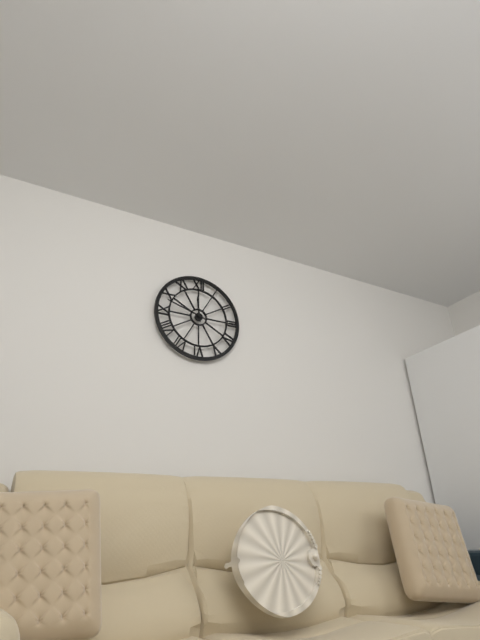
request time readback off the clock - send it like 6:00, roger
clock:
11:48
